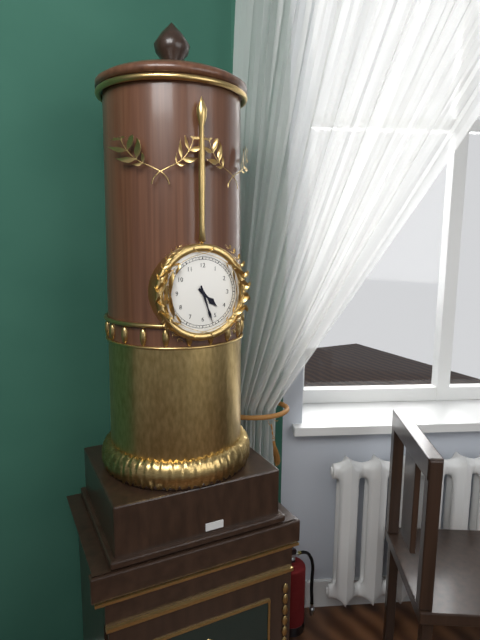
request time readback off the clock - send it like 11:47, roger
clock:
4:27
